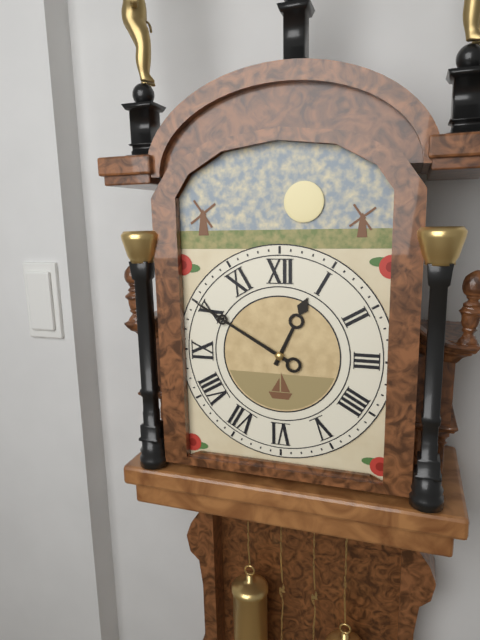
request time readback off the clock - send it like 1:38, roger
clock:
12:50
